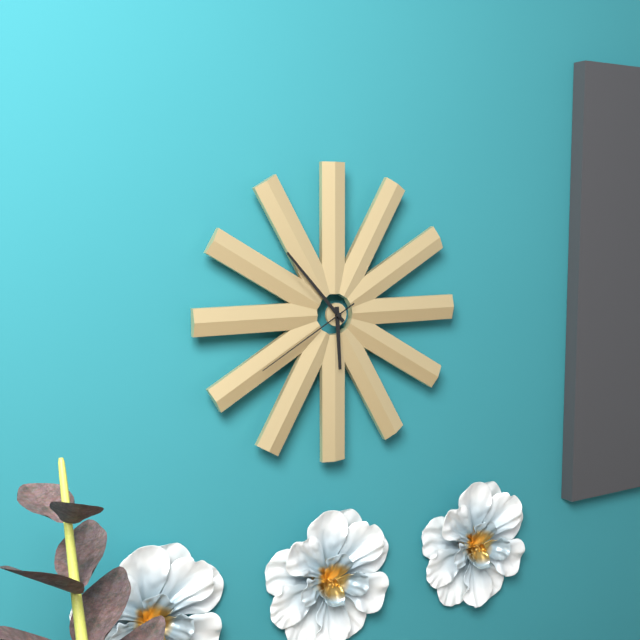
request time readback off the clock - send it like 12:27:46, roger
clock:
5:53:40
